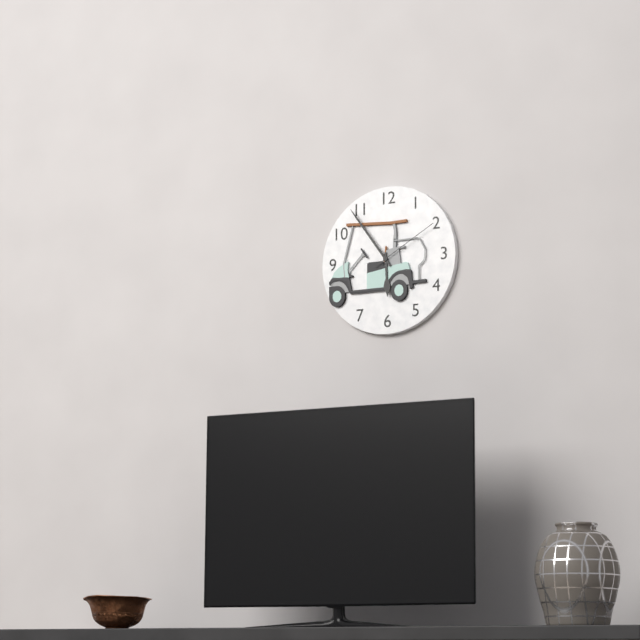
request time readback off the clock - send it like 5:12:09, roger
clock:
5:54:10
